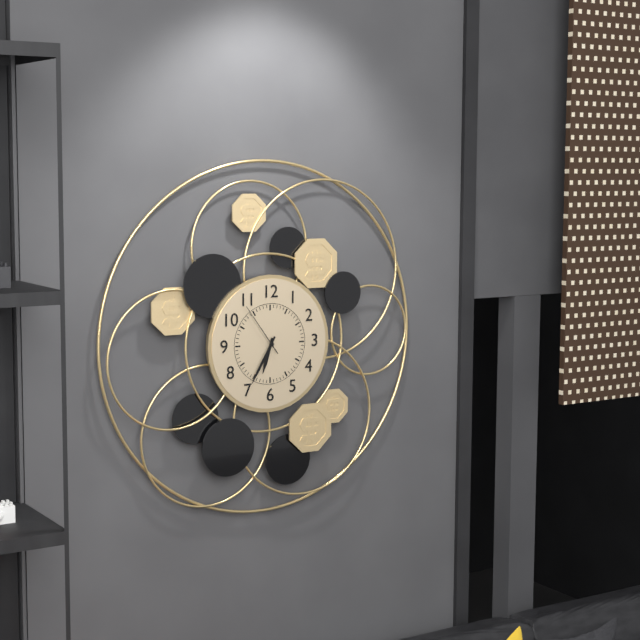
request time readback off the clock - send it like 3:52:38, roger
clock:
6:35:54
